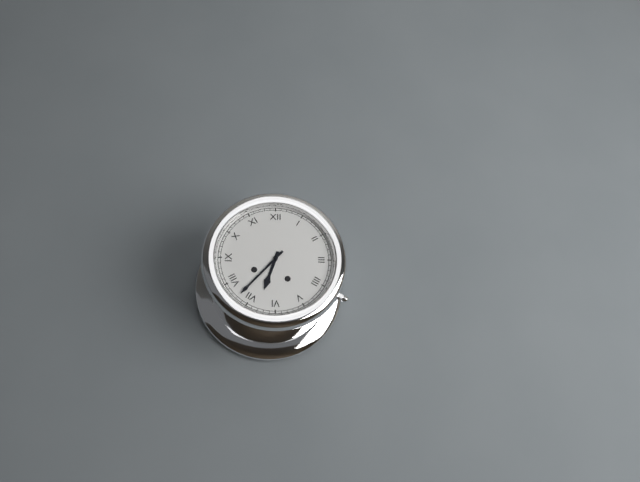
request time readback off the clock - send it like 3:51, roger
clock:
6:37
